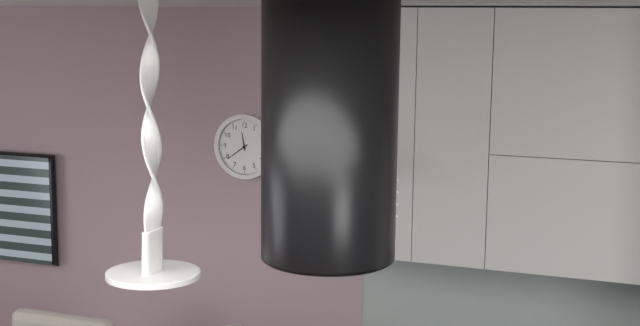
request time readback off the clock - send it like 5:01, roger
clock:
11:39
